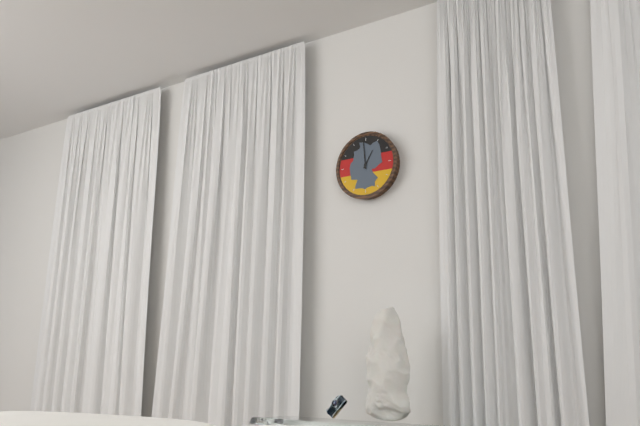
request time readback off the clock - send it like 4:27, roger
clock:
12:59
